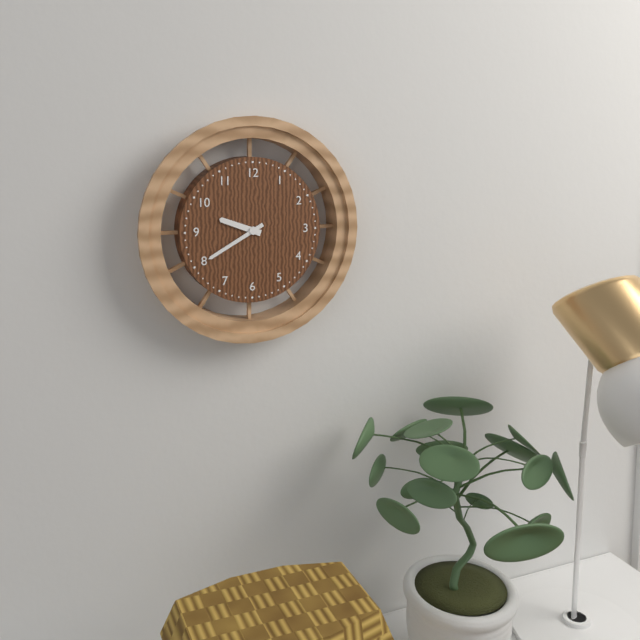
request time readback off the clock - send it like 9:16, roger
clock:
9:40
